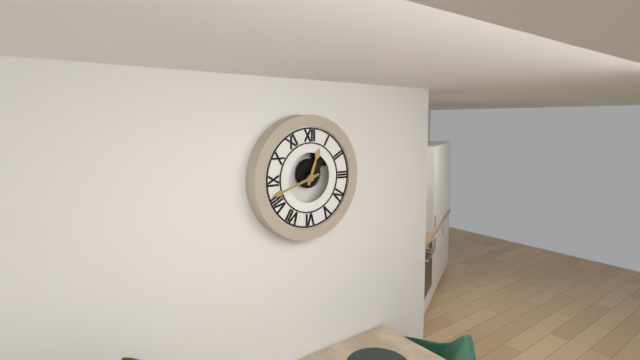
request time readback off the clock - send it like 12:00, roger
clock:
12:42
